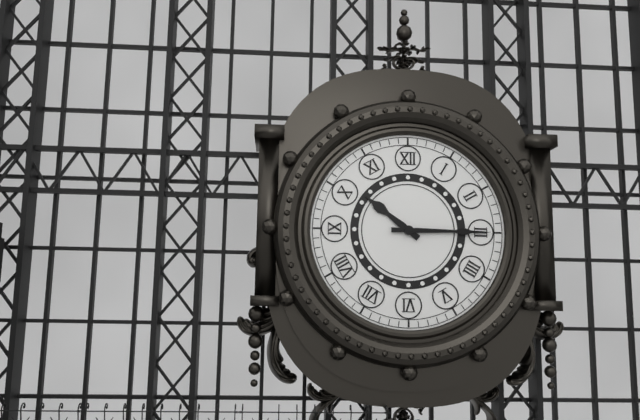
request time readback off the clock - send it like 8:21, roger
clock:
10:15
